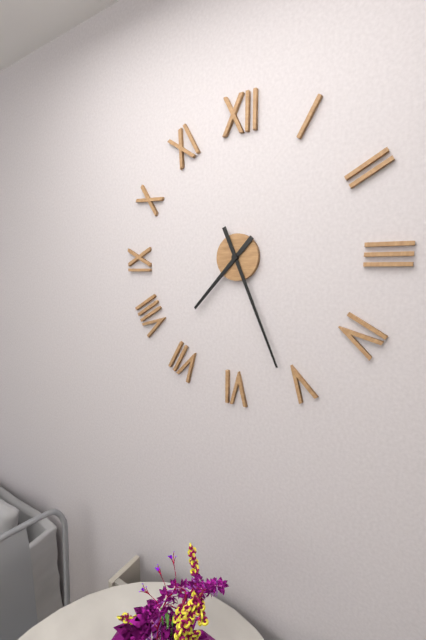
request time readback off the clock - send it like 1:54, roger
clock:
7:26
